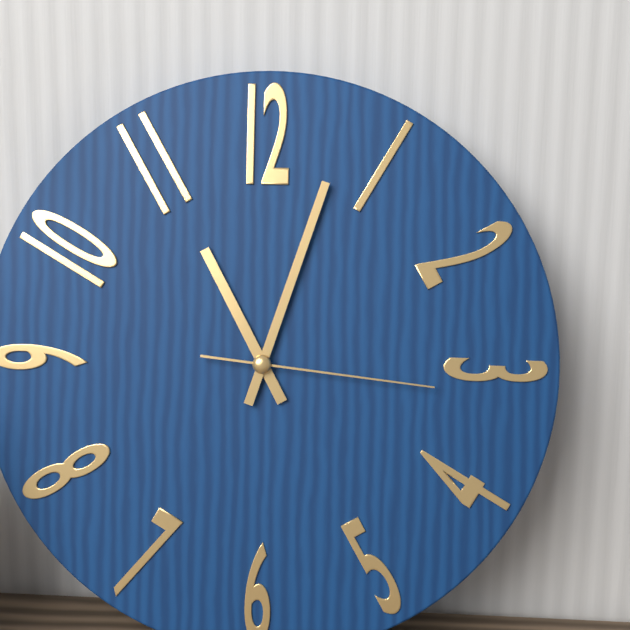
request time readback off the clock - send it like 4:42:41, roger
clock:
11:03:16
